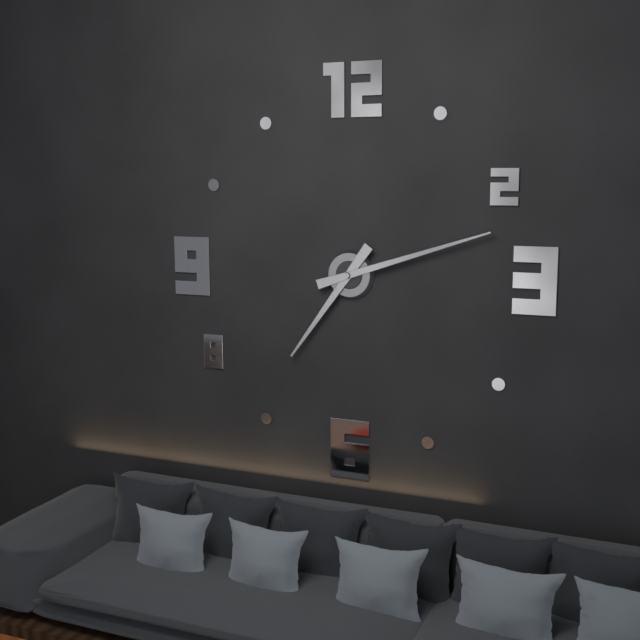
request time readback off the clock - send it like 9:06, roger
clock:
7:12
